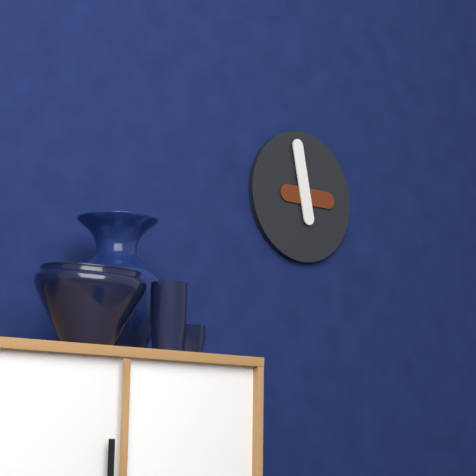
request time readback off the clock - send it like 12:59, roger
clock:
2:58
